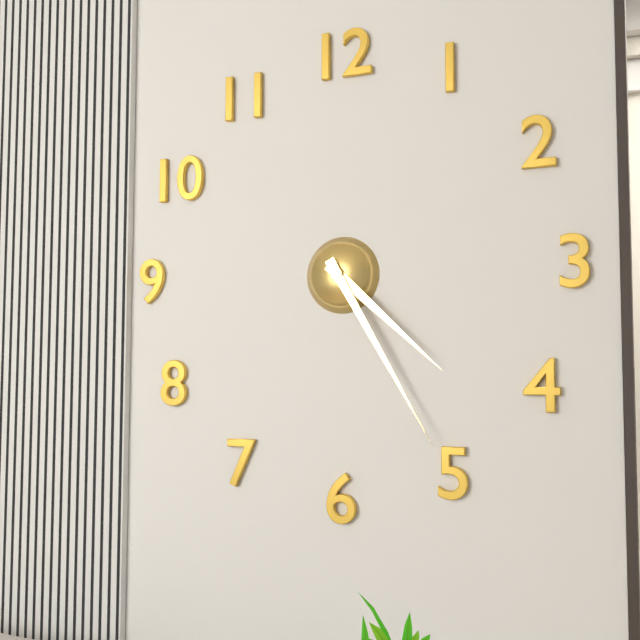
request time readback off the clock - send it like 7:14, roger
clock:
4:25
